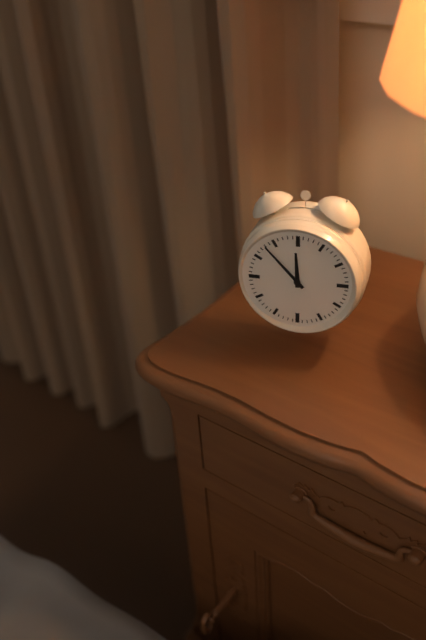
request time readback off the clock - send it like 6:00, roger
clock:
11:53
